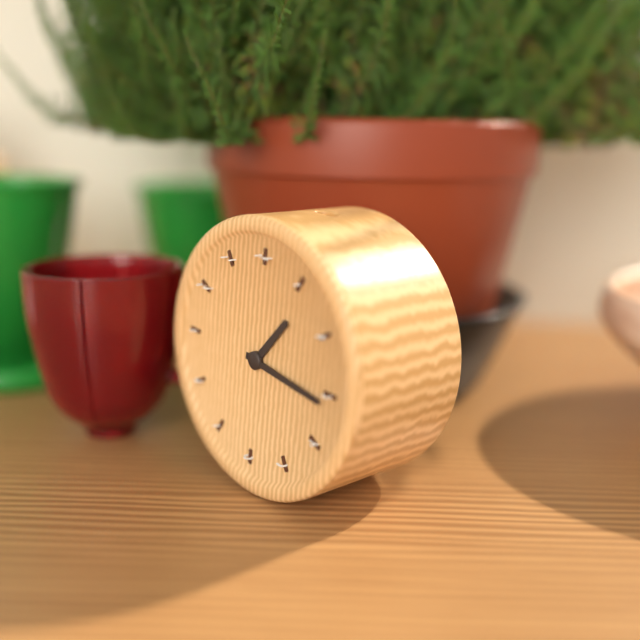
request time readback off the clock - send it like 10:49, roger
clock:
1:16
